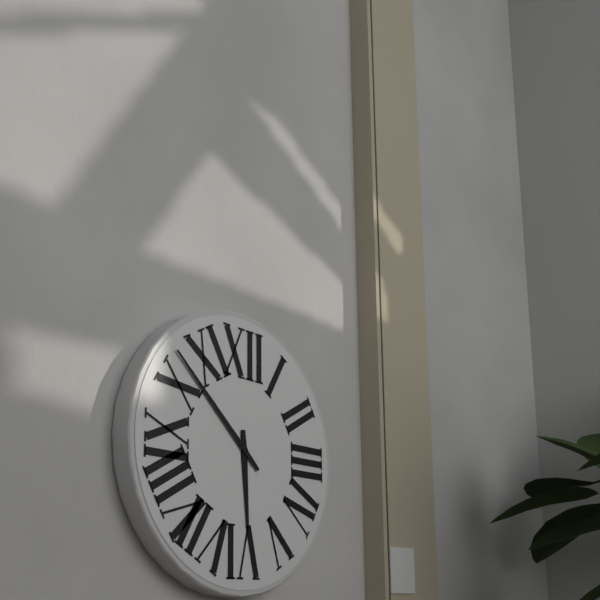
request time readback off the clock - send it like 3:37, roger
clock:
5:52
